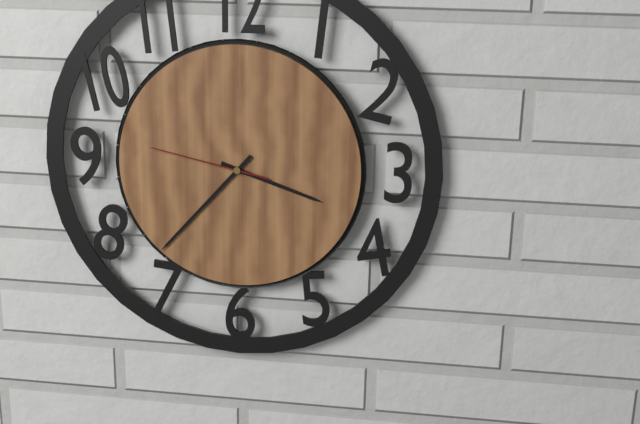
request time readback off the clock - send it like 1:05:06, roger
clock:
3:37:47
